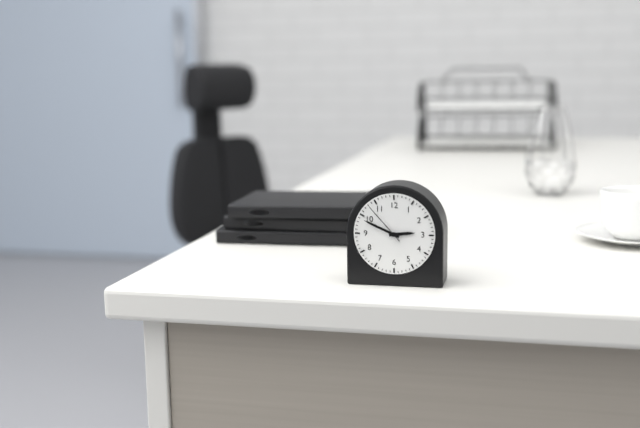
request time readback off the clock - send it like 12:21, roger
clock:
2:49
